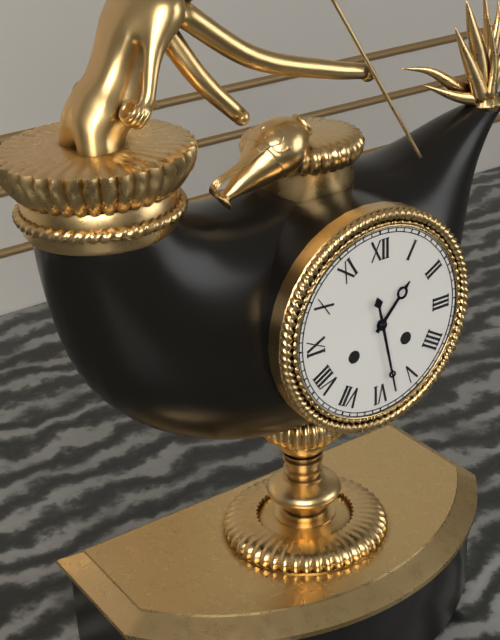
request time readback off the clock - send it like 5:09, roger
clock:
1:28
